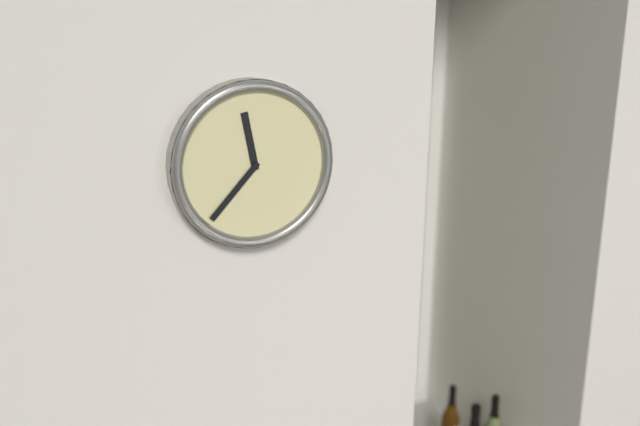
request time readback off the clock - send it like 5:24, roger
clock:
11:37
